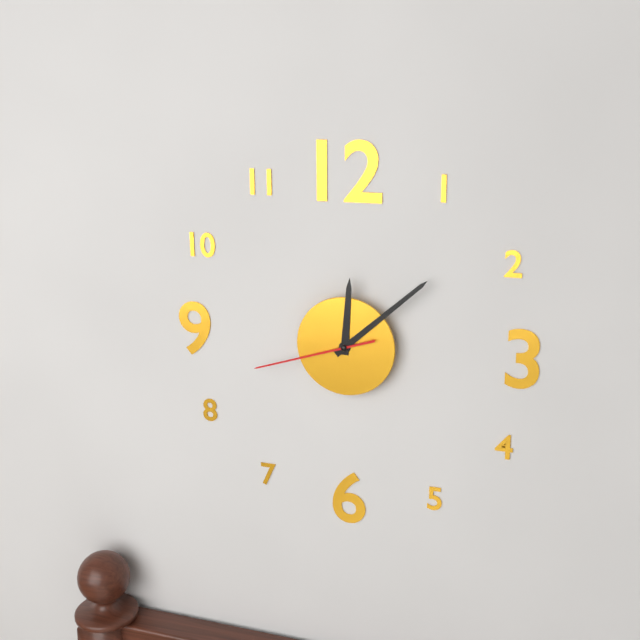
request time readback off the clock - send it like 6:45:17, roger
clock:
12:08:42
